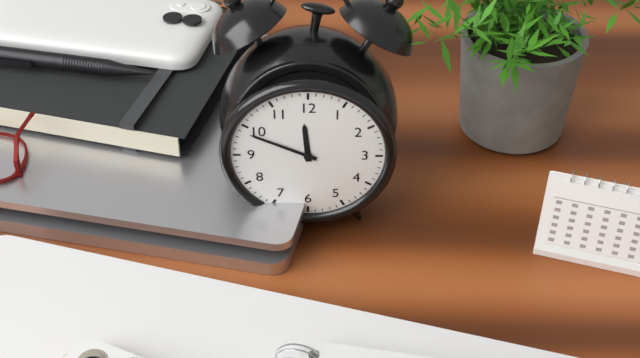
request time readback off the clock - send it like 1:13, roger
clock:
11:49
